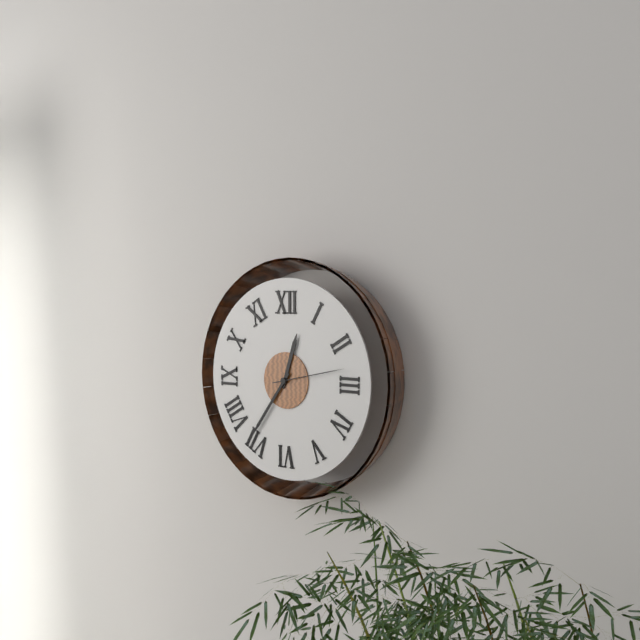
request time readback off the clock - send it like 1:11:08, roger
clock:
12:36:13
